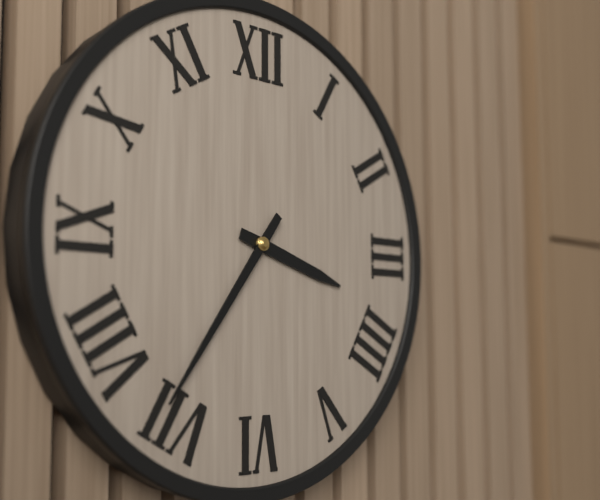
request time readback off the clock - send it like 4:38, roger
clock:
3:36
